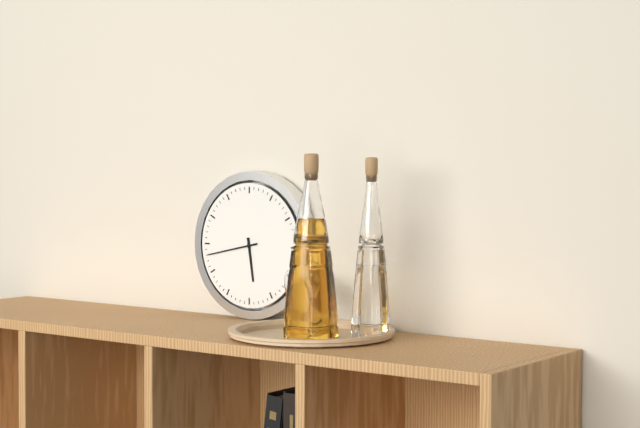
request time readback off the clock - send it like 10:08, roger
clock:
5:43
